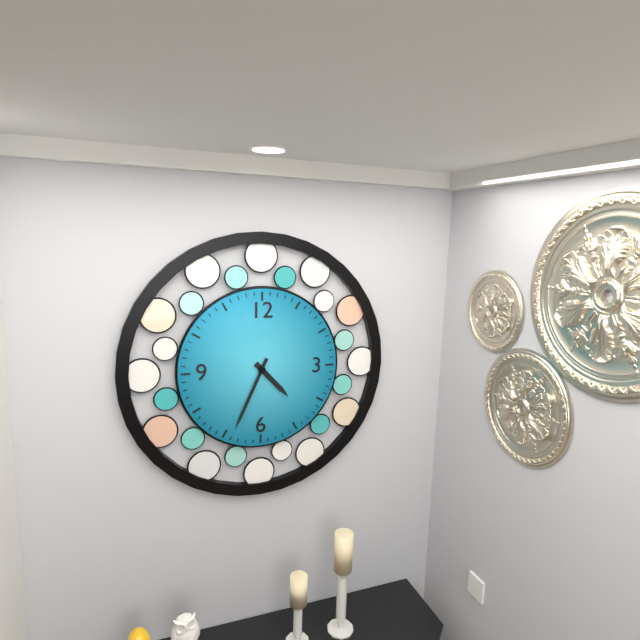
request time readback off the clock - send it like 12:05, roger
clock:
4:34
